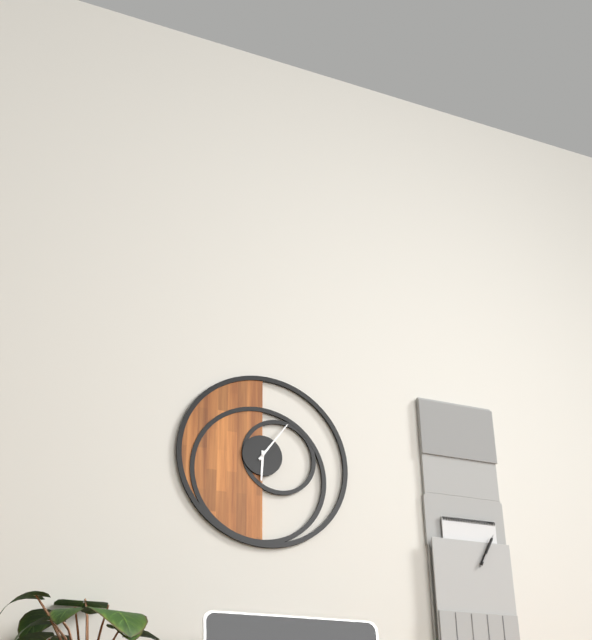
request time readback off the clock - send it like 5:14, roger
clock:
6:06
